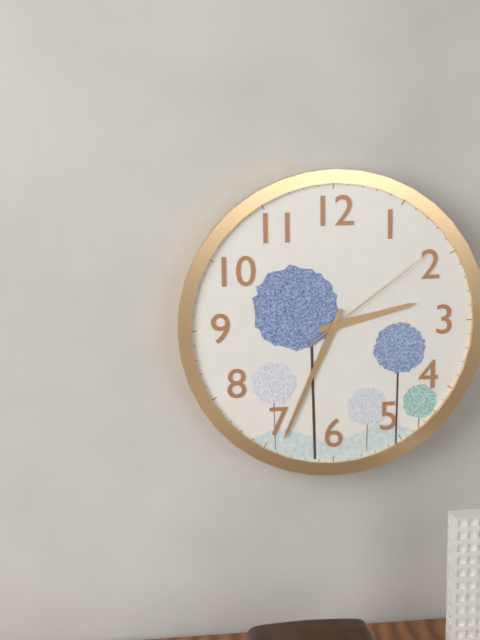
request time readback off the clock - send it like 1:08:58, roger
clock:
2:34:09
